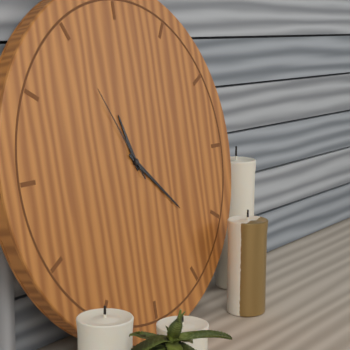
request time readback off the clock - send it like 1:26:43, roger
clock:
11:22:55
